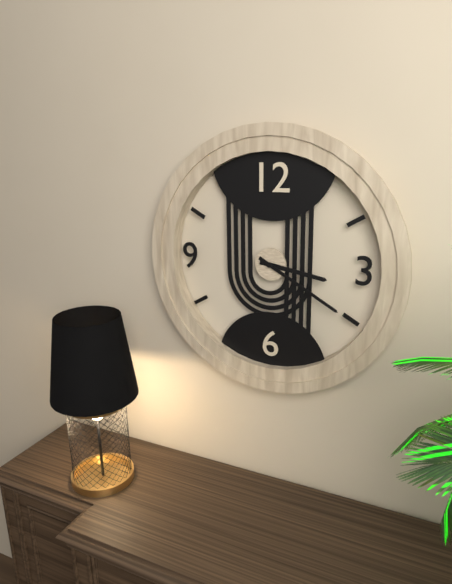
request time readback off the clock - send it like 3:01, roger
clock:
3:20
